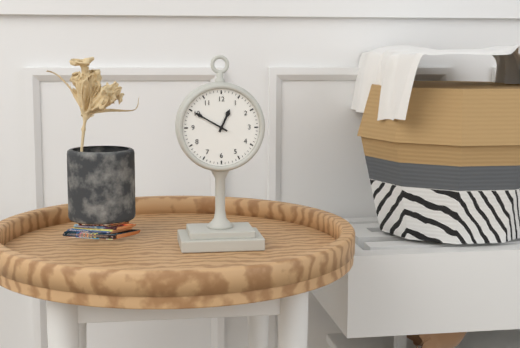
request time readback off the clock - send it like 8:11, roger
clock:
12:50
